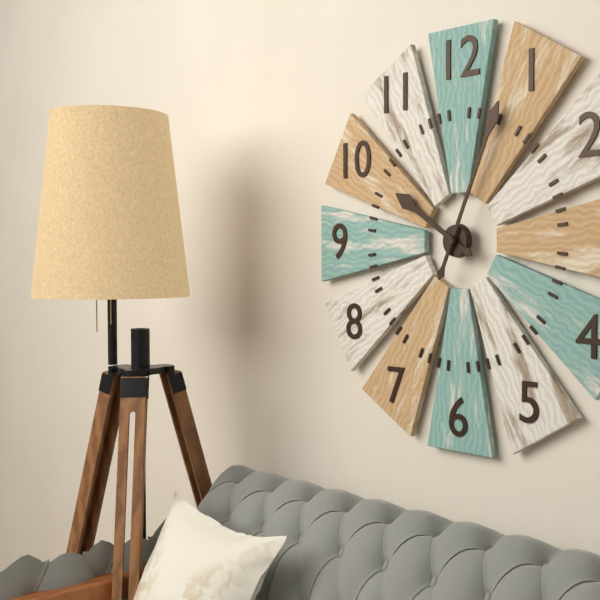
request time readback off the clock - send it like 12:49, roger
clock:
10:04
